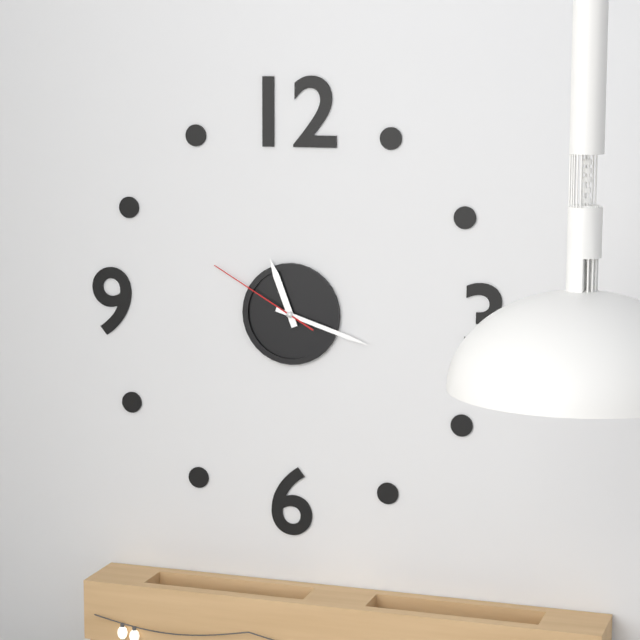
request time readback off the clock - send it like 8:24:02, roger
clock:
11:18:50
